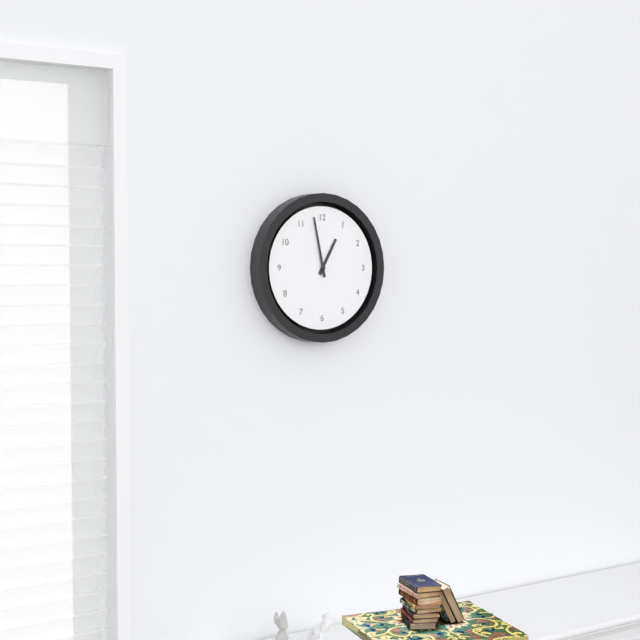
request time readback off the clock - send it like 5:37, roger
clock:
12:58
